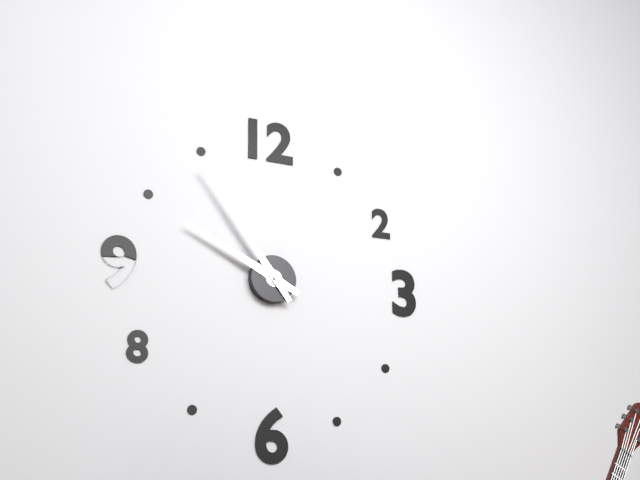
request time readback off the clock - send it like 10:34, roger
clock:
9:54
